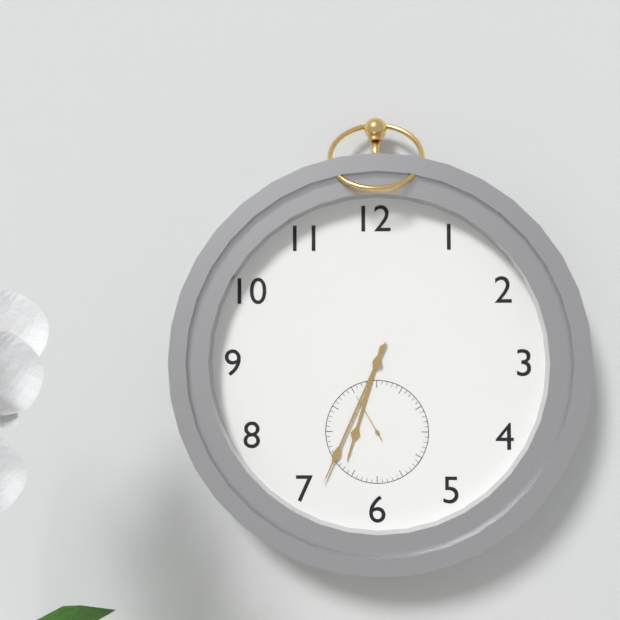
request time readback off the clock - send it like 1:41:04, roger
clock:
6:34:55
